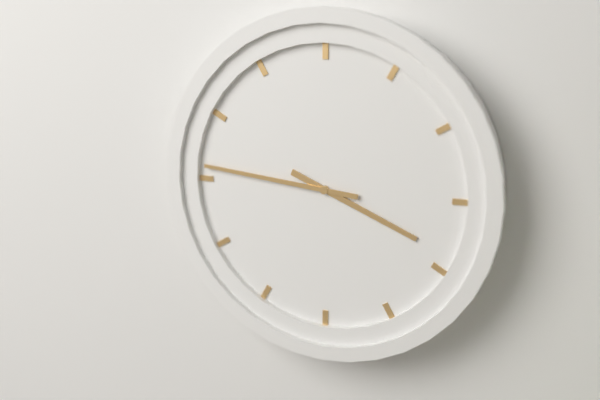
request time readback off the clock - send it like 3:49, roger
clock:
3:46
